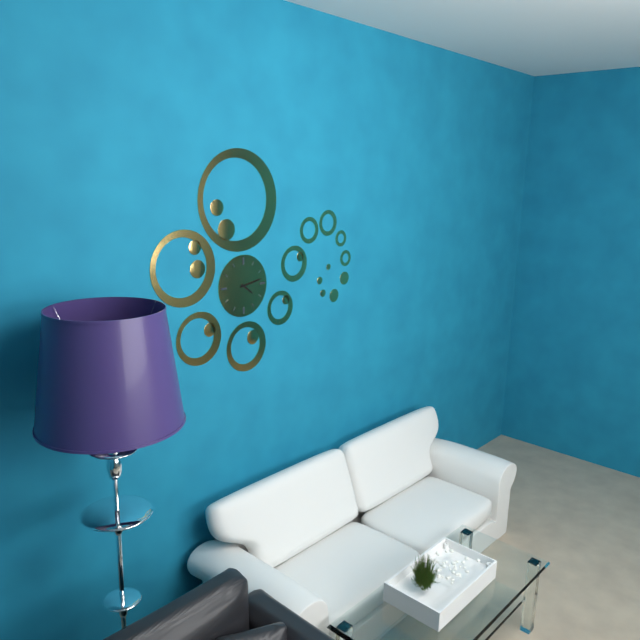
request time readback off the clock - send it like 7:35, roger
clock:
4:13
